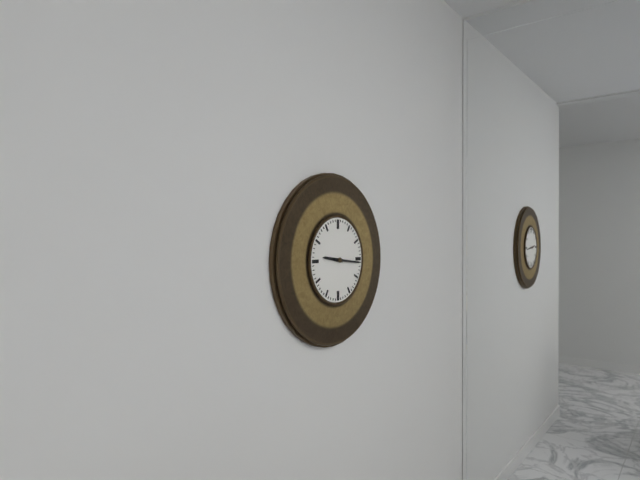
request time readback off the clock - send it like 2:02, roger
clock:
9:16
